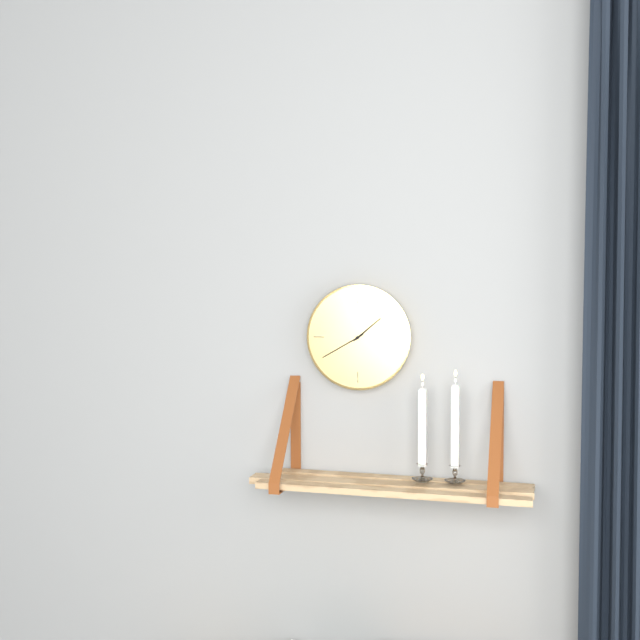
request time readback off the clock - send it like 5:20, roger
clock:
1:40
